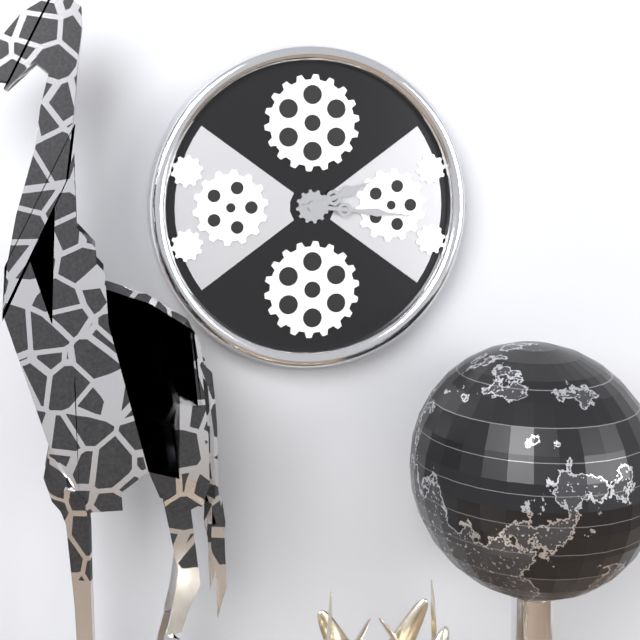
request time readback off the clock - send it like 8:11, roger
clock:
2:16
